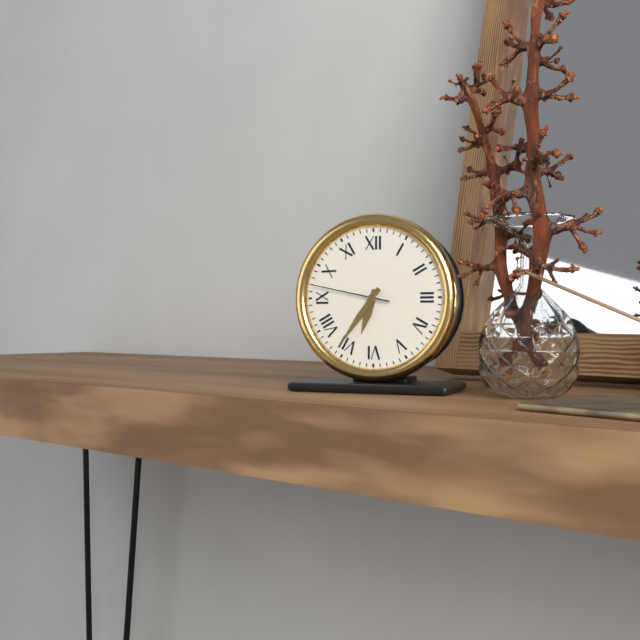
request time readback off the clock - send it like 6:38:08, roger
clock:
6:36:47
